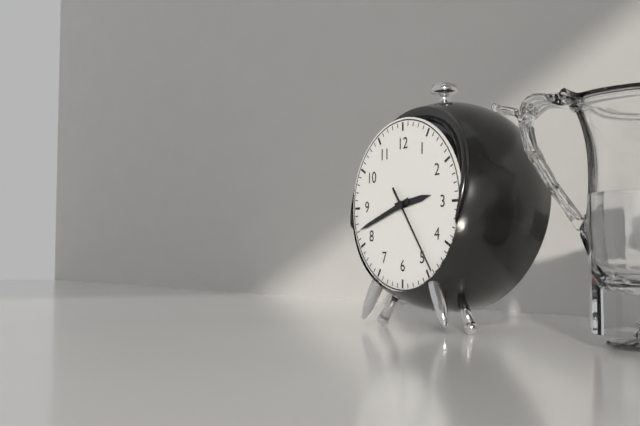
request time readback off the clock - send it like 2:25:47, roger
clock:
2:42:24
